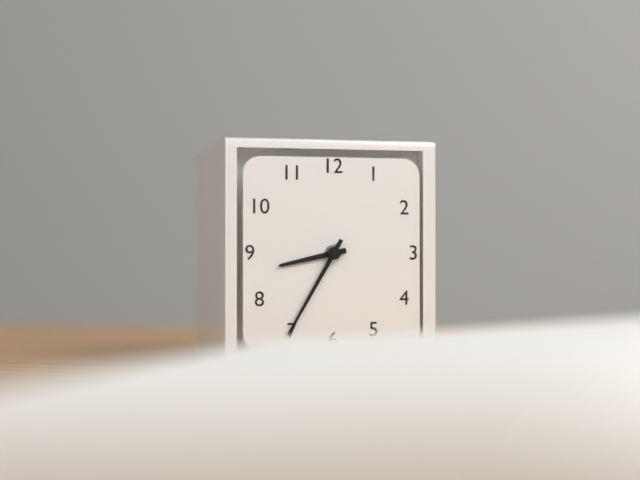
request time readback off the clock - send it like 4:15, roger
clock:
8:35
